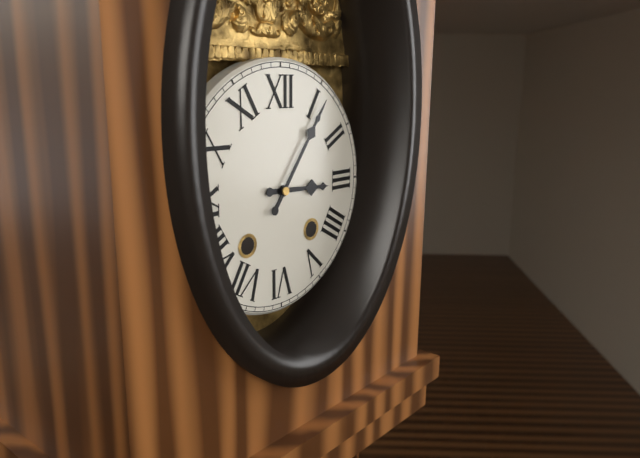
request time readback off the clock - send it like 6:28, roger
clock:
3:06
